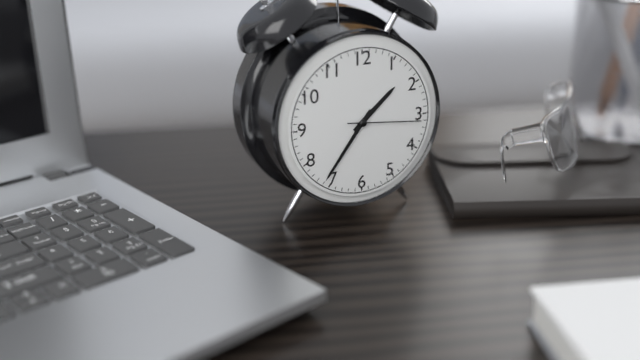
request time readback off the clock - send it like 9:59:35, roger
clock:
1:36:16
